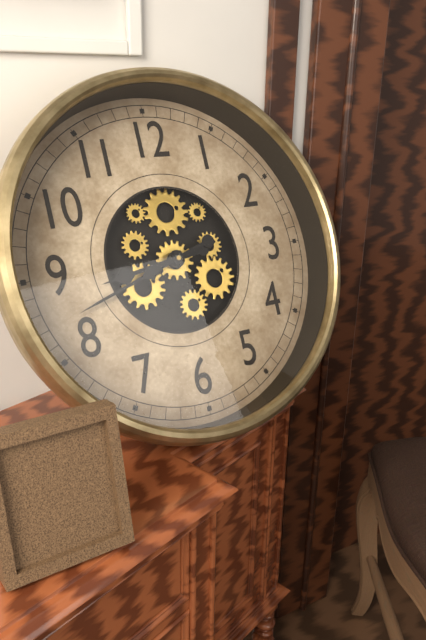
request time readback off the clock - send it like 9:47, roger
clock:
8:42
